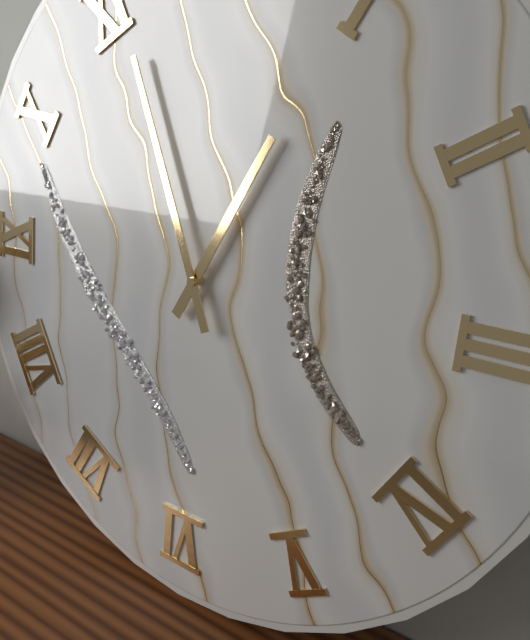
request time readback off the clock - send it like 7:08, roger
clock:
12:56
